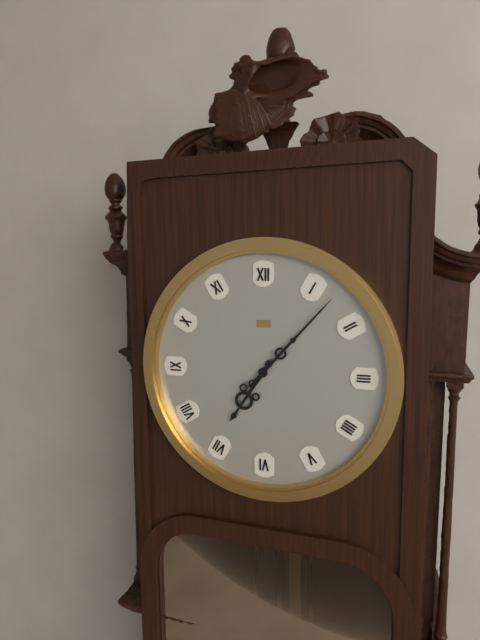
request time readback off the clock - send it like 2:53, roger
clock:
7:07
